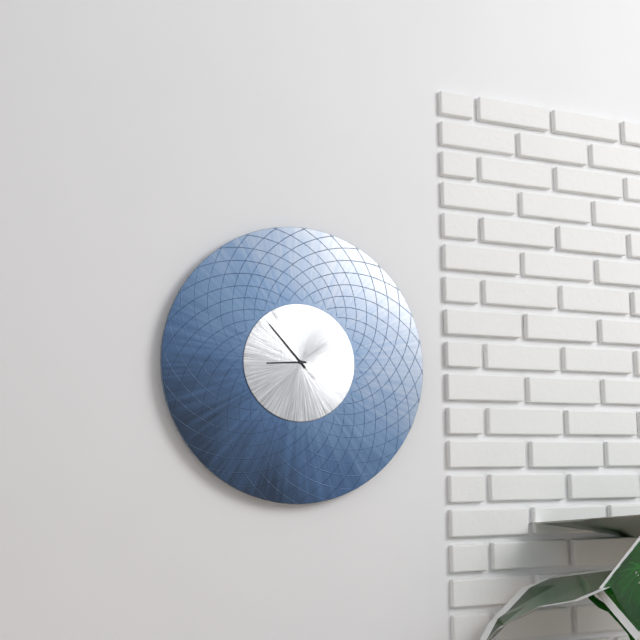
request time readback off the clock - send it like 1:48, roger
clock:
8:53
